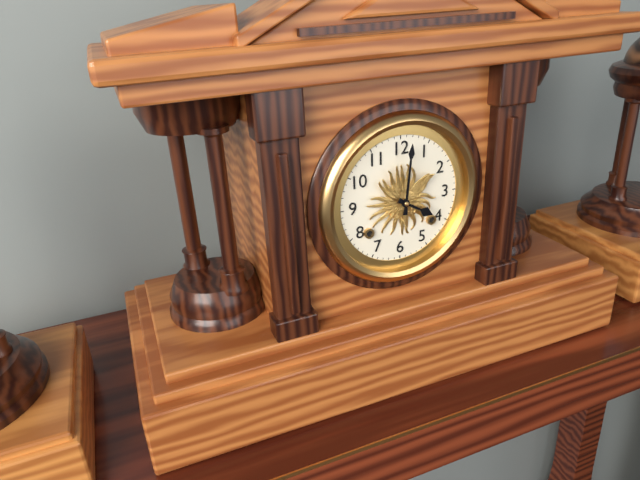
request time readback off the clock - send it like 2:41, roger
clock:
4:01
